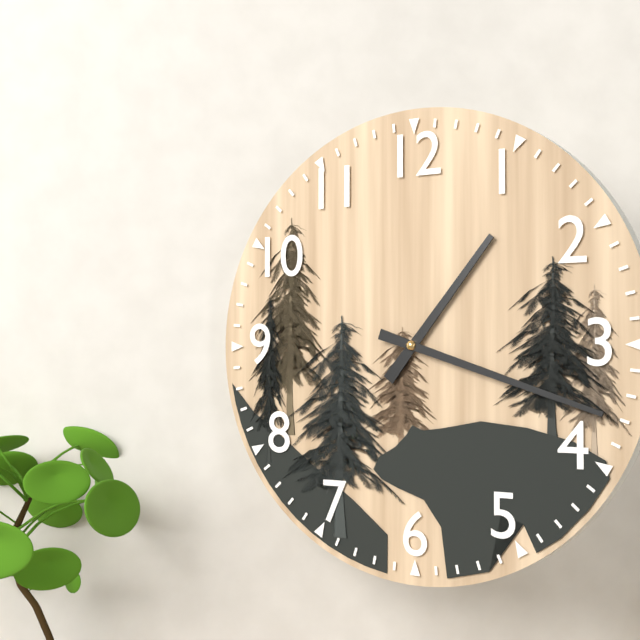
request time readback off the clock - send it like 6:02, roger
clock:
1:18
